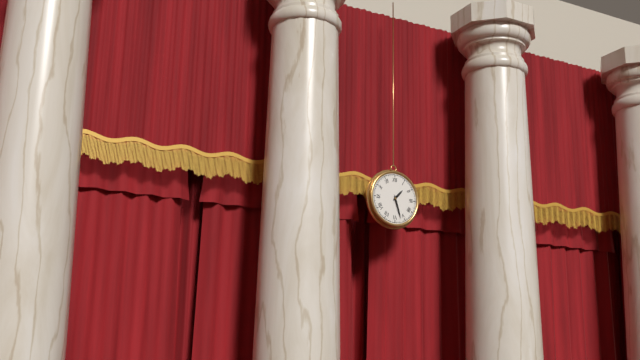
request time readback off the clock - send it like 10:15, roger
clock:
1:27
